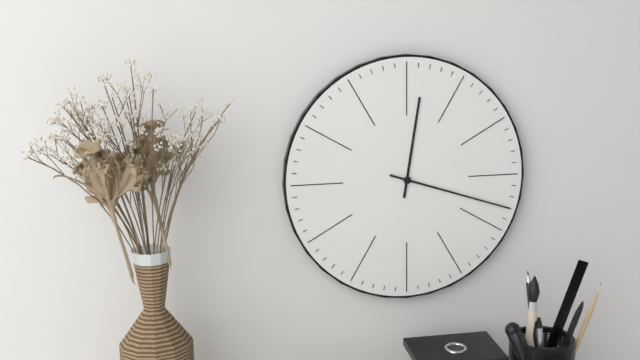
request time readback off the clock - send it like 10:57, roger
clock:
12:18
